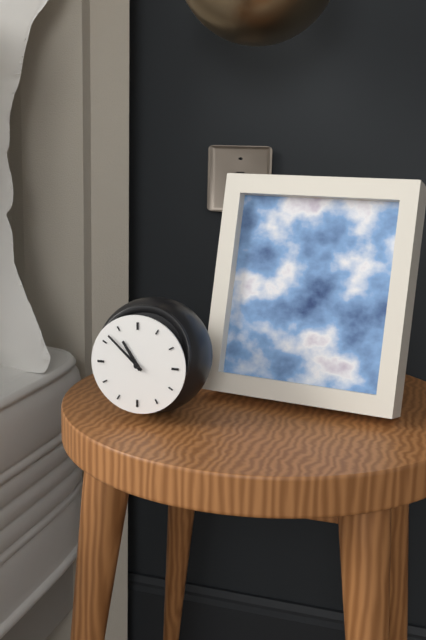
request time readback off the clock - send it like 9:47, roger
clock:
10:52
